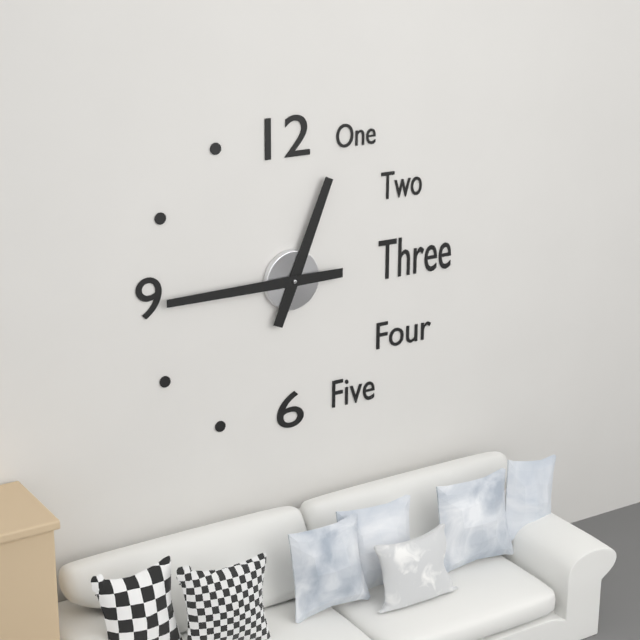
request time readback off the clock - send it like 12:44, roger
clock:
12:45
